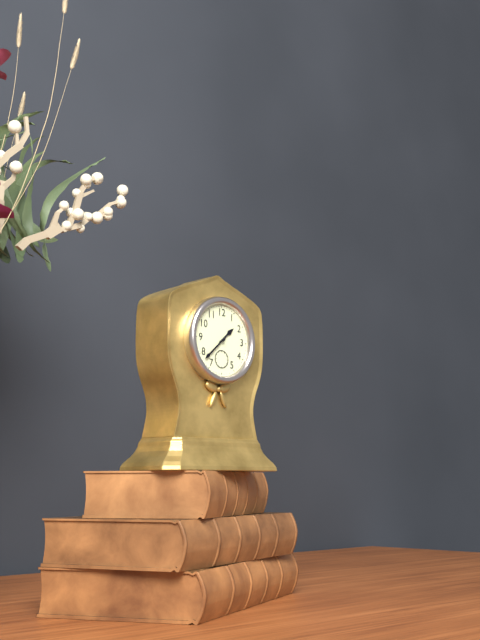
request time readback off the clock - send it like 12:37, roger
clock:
1:38
